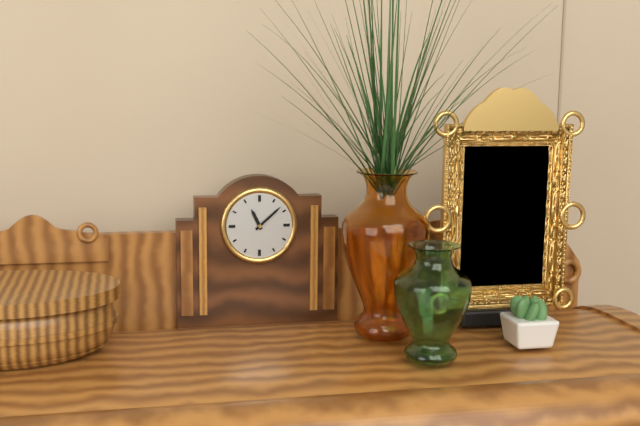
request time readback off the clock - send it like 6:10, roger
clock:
11:08
